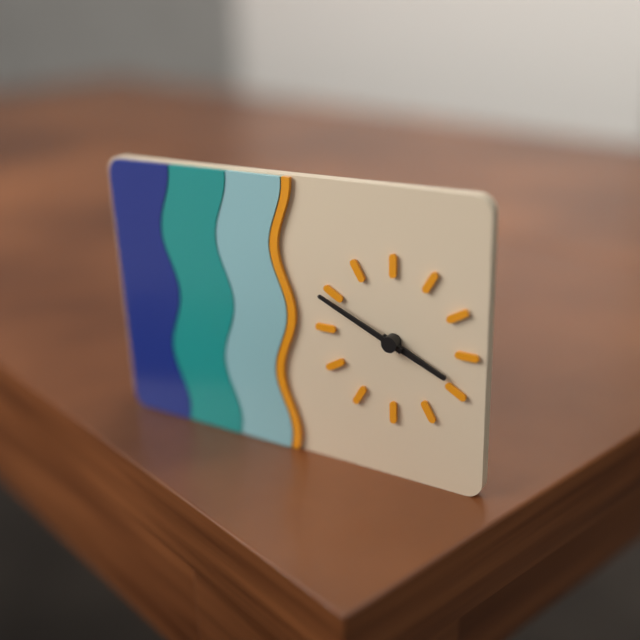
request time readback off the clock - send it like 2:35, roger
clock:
3:49
